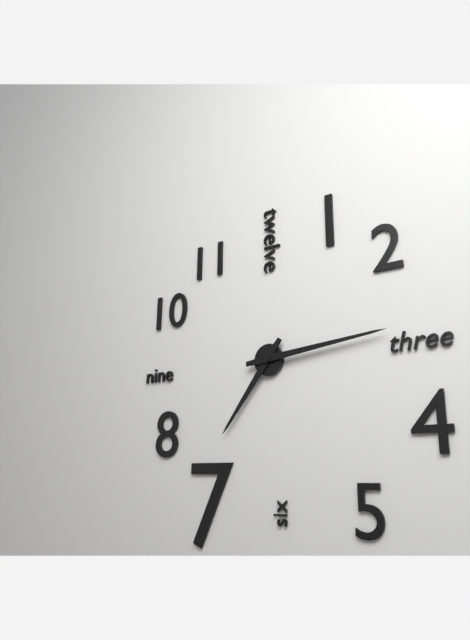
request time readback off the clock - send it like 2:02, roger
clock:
7:14
